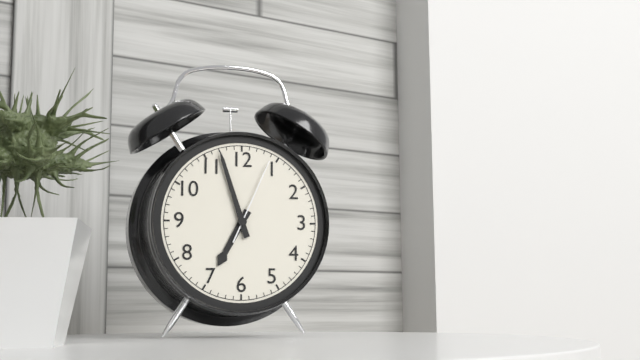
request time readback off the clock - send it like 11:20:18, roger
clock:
6:57:04
